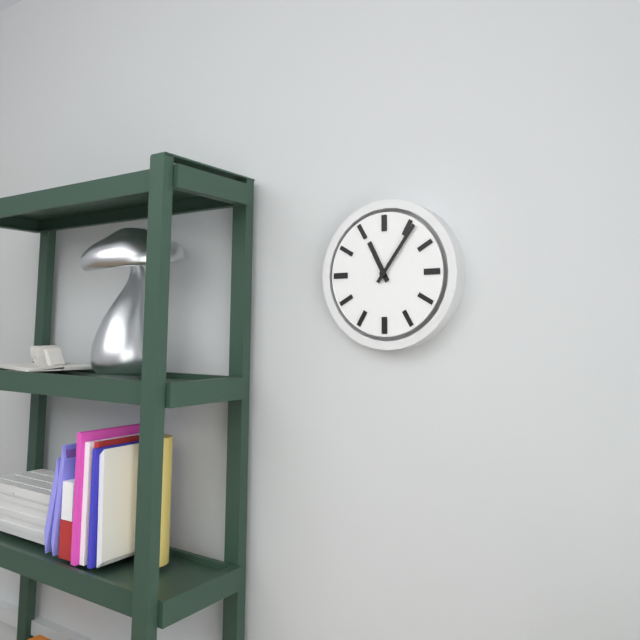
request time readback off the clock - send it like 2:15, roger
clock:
11:06
